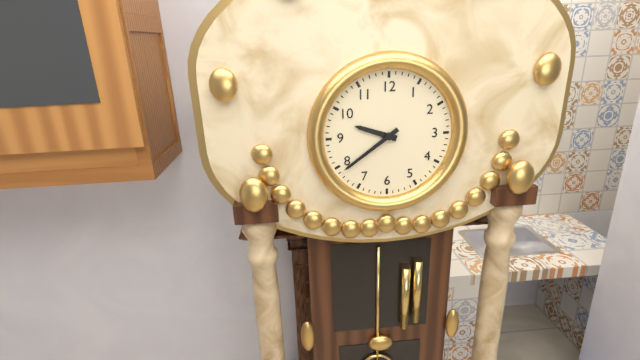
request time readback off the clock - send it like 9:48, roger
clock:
9:39
